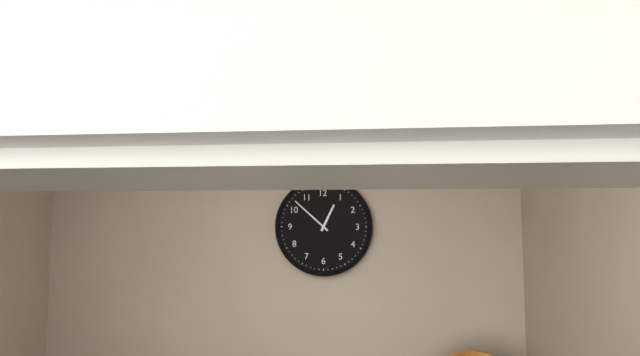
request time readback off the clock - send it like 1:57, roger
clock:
12:52
